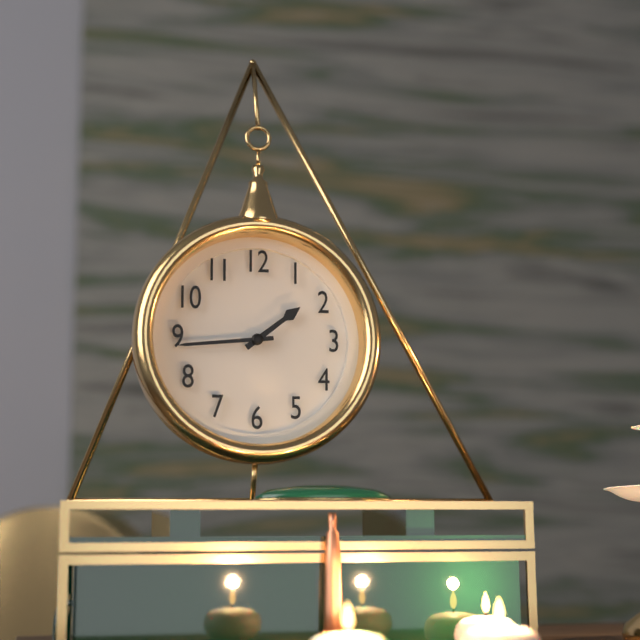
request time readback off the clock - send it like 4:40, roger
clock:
1:44
